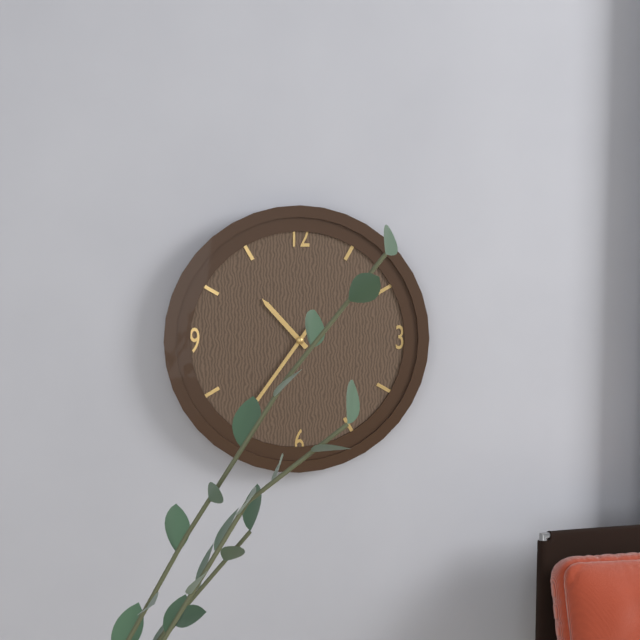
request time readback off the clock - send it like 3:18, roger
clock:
10:36
